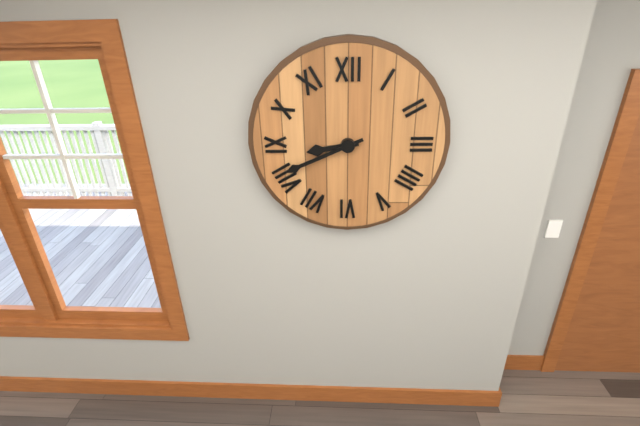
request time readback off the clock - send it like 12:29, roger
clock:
8:41
